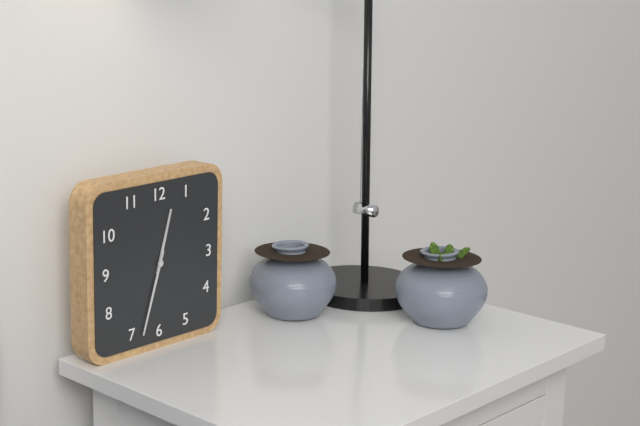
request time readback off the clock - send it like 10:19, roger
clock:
12:33
